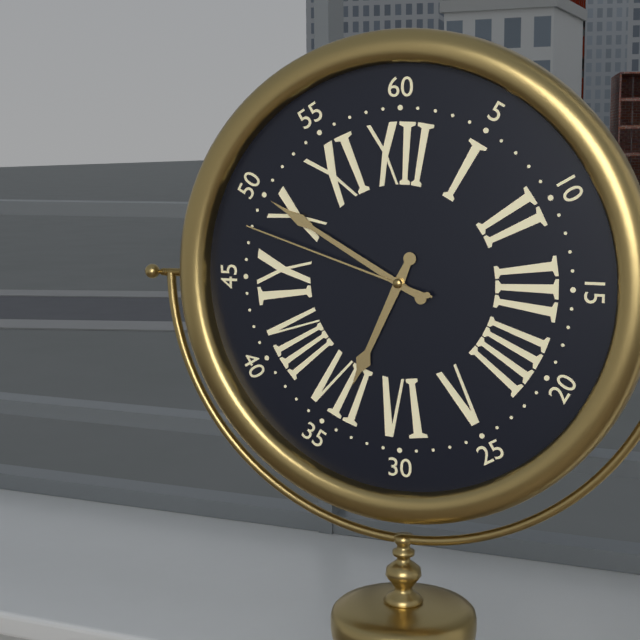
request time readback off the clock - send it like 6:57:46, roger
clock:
6:50:48
